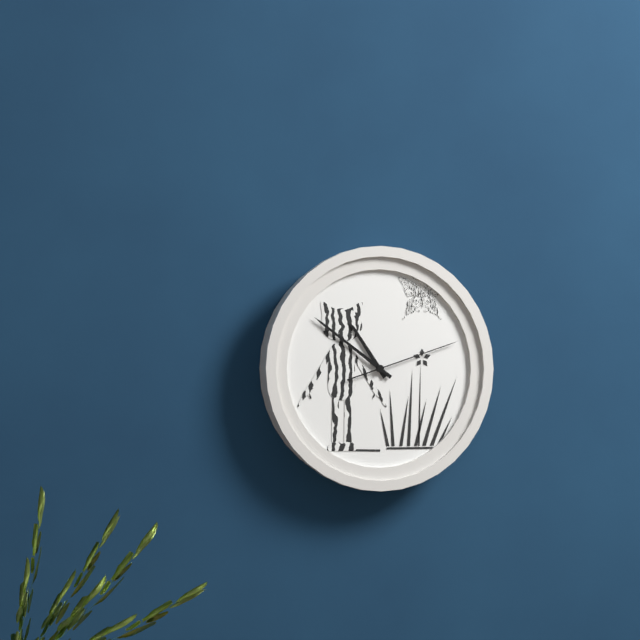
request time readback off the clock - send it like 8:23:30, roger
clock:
10:51:12
